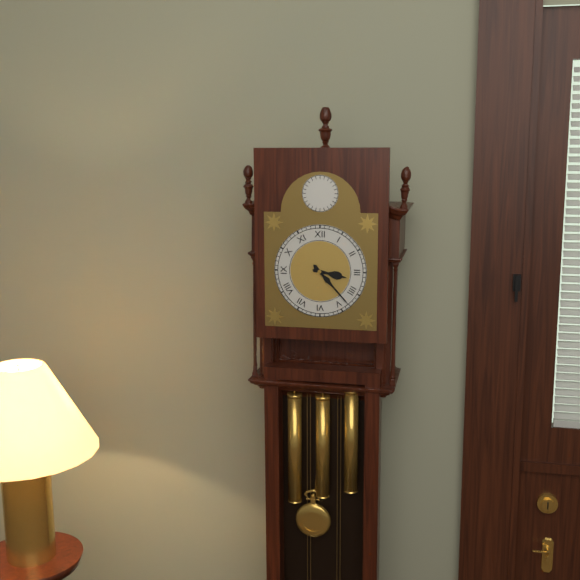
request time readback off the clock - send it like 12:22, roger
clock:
3:23
